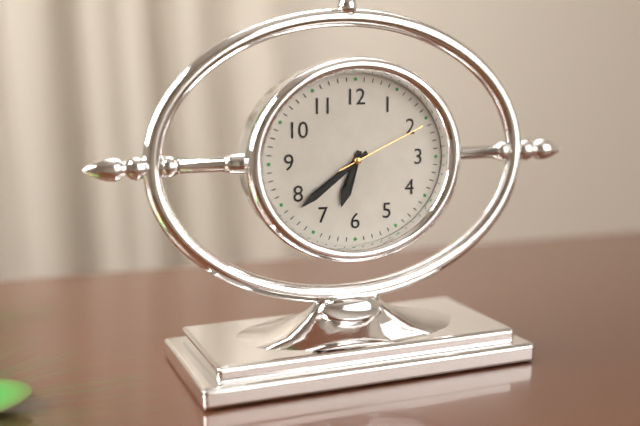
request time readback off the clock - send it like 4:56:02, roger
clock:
6:39:11
